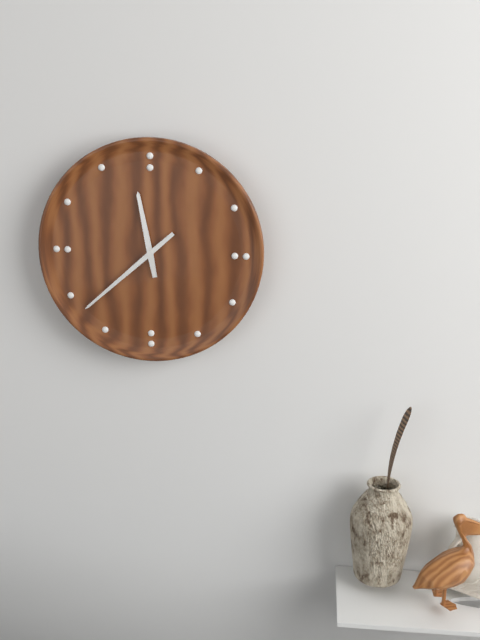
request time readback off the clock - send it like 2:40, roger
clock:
11:38
